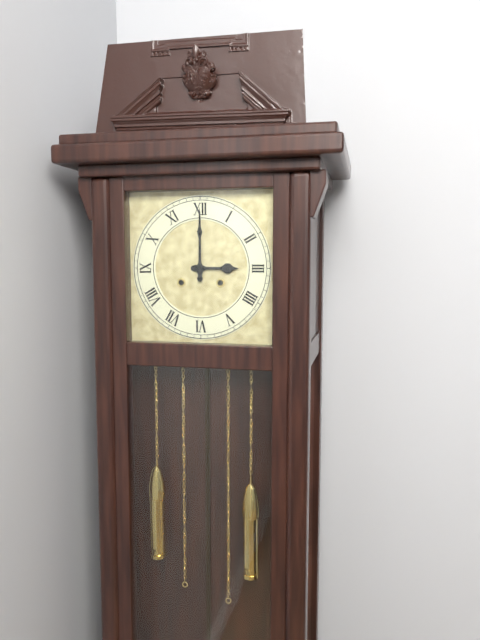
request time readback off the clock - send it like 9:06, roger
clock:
3:00
